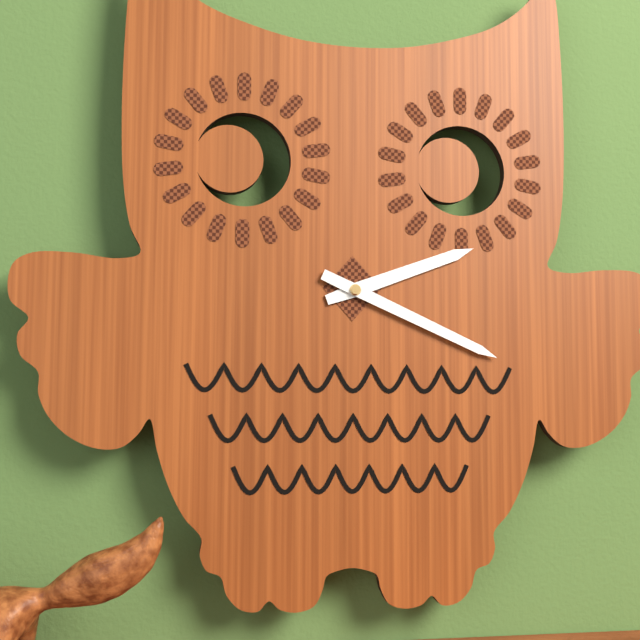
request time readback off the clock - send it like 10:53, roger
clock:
2:19
